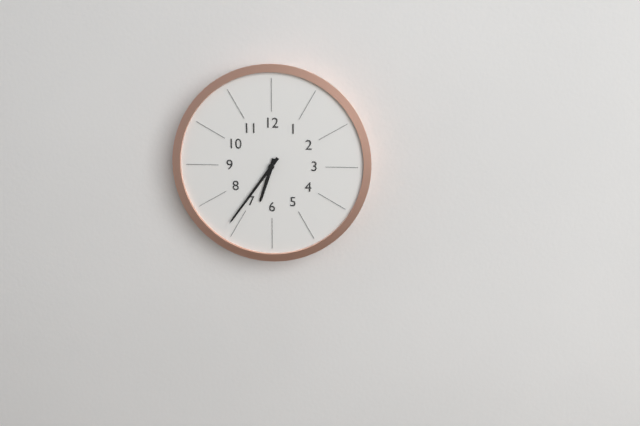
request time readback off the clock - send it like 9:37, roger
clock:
6:36
